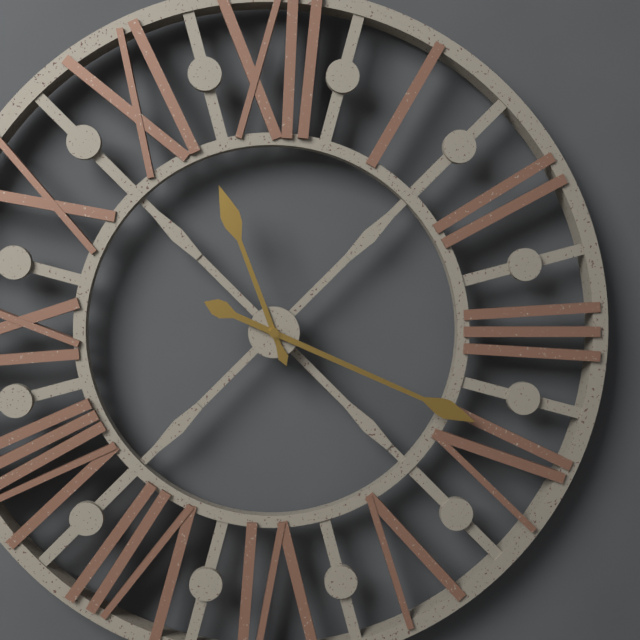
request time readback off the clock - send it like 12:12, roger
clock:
11:19
